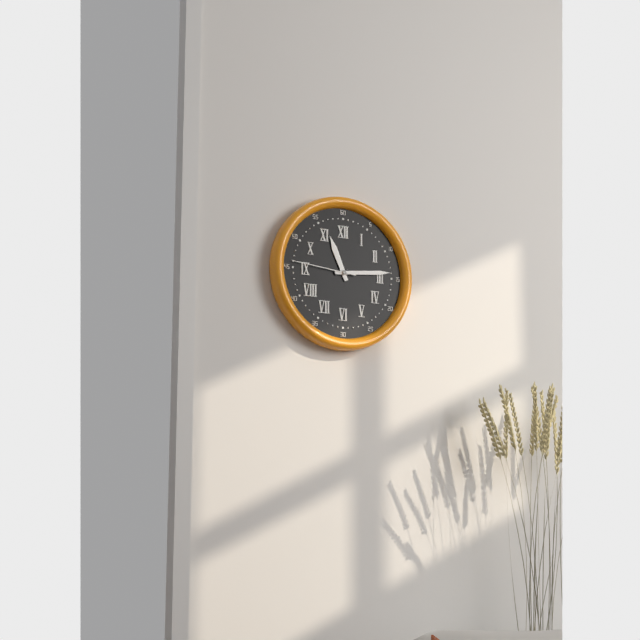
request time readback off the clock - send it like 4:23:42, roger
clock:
11:14:46
